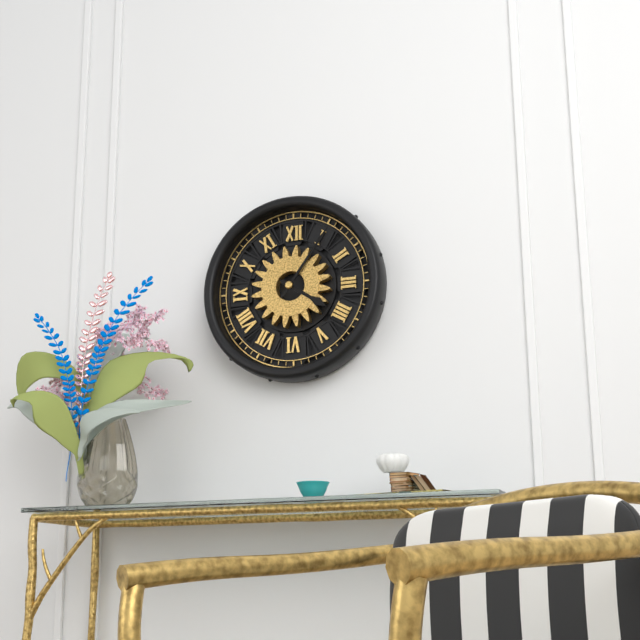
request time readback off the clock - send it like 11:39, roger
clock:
4:06
